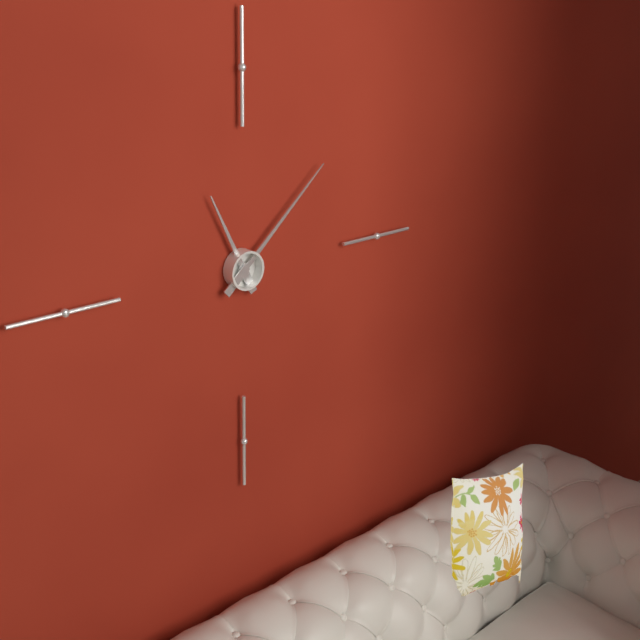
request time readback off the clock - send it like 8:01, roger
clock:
11:08
